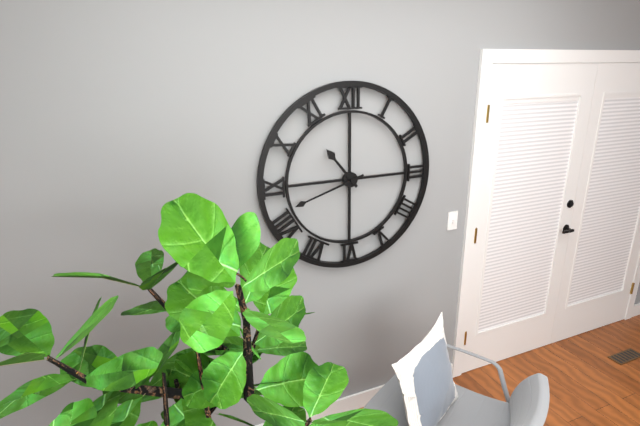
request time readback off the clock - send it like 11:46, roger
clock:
10:42
